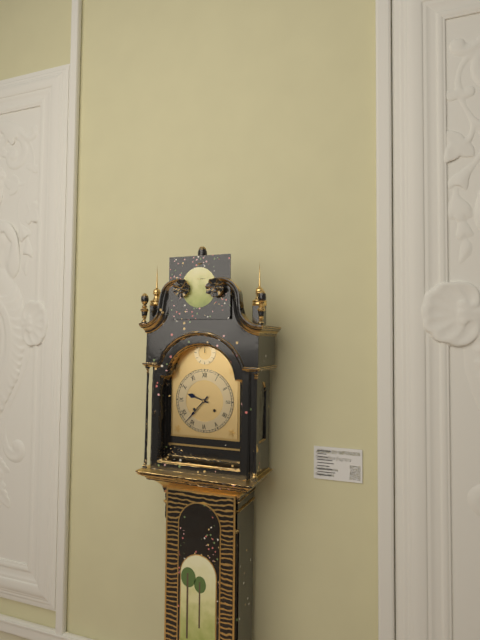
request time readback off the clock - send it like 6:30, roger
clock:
9:37
